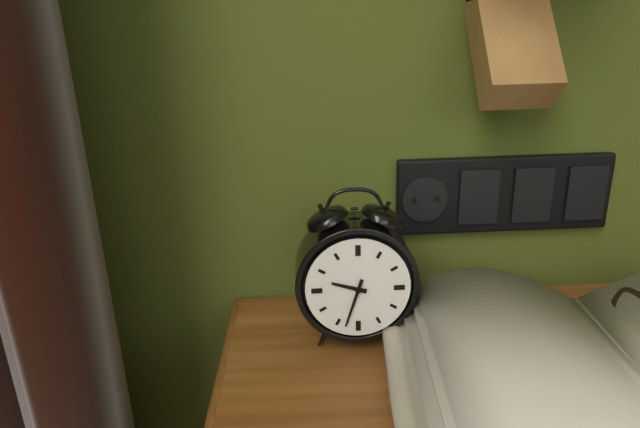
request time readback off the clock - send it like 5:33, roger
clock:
9:33
